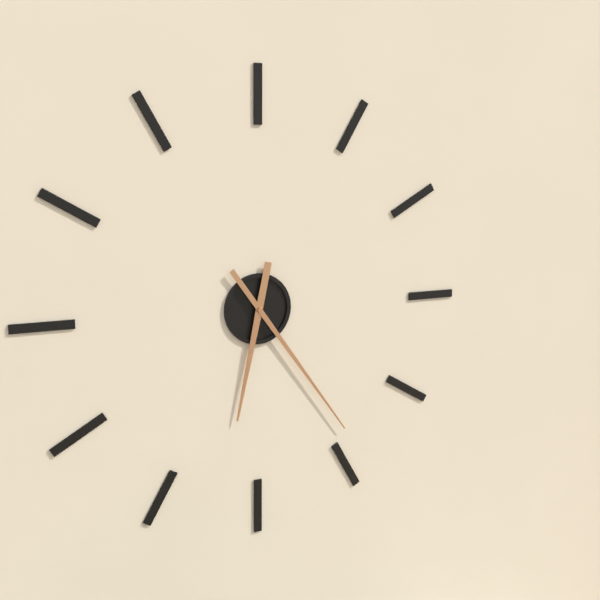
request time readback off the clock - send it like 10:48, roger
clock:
6:24
